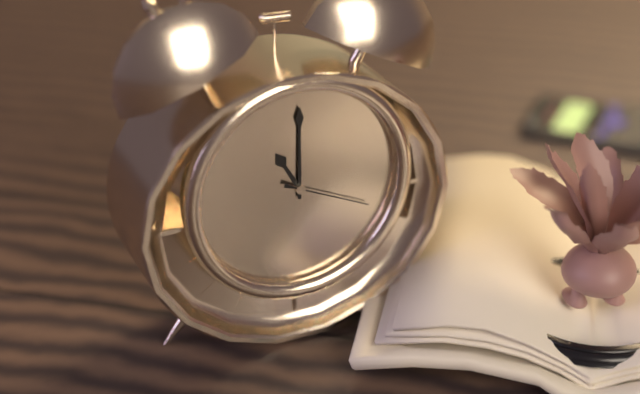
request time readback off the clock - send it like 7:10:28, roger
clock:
11:00:19
